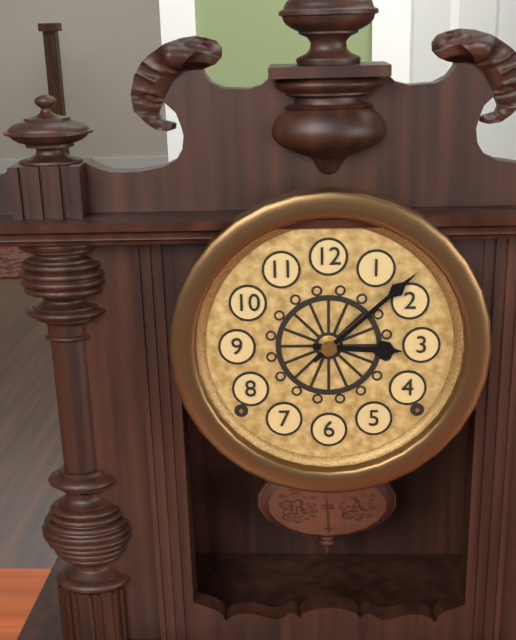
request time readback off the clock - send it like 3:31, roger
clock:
3:08
